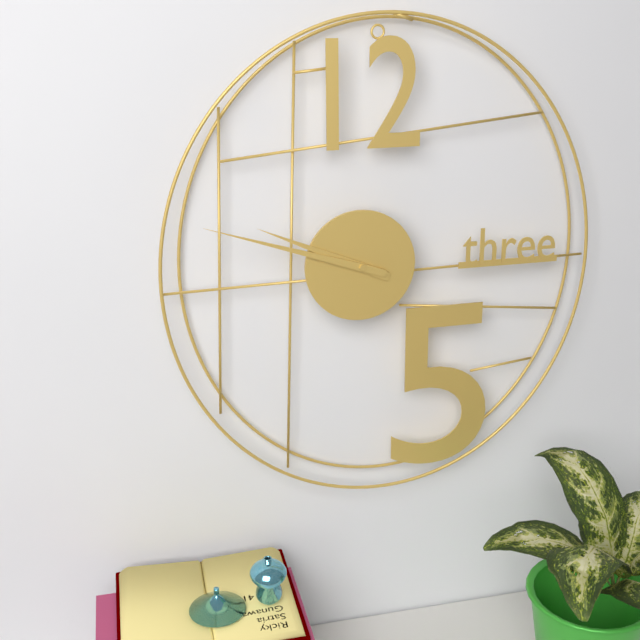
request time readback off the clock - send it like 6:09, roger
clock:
9:48
